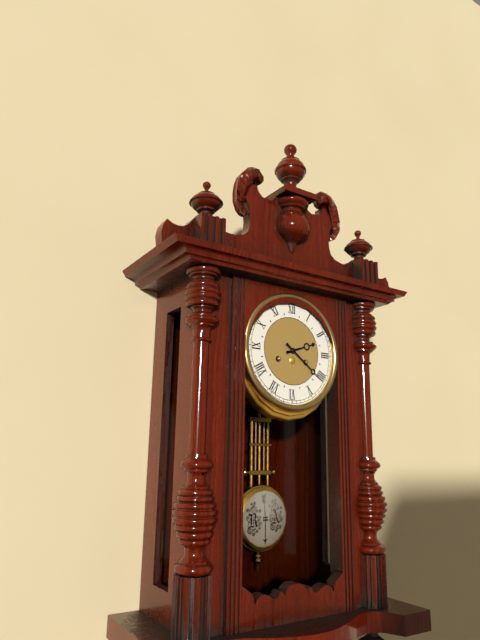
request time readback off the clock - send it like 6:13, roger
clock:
2:21
